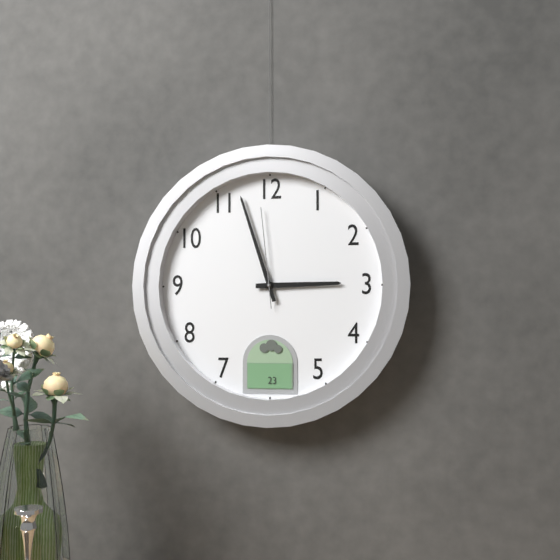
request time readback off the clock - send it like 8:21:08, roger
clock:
2:57:59
